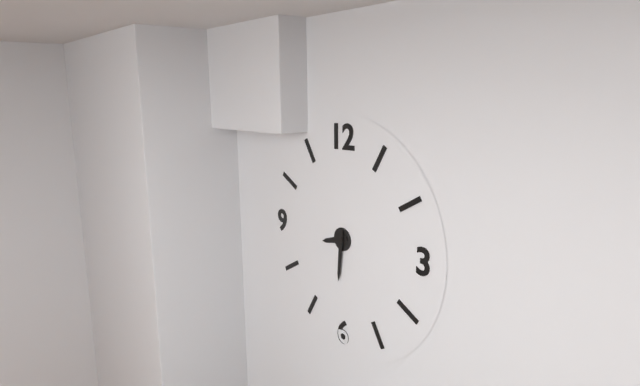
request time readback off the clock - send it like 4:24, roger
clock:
8:31
